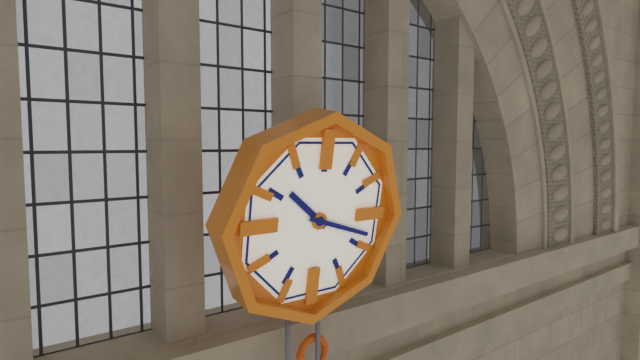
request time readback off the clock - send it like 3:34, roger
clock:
10:18
